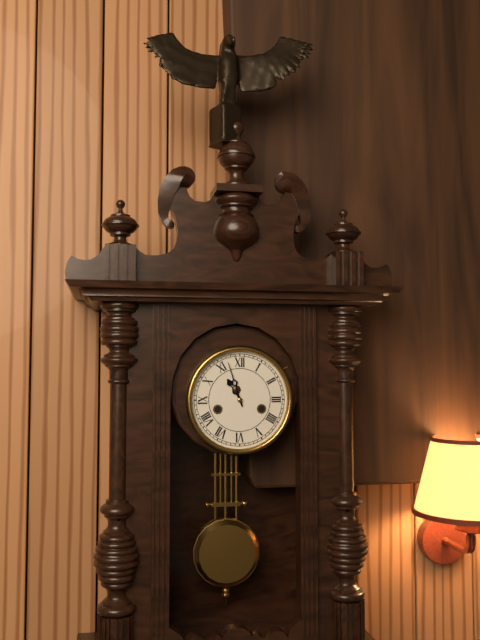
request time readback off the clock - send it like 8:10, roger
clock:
10:57
